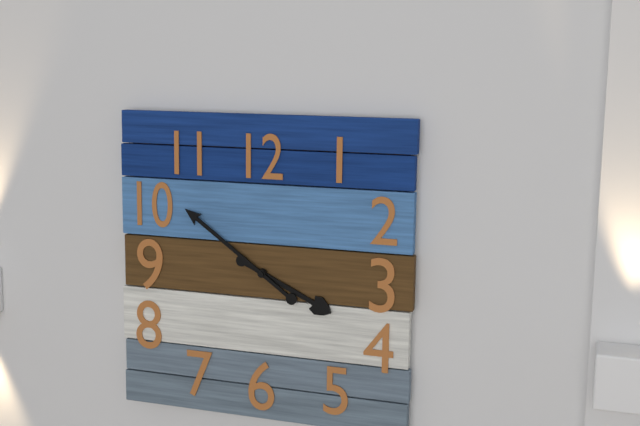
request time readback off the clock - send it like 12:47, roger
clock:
3:51
